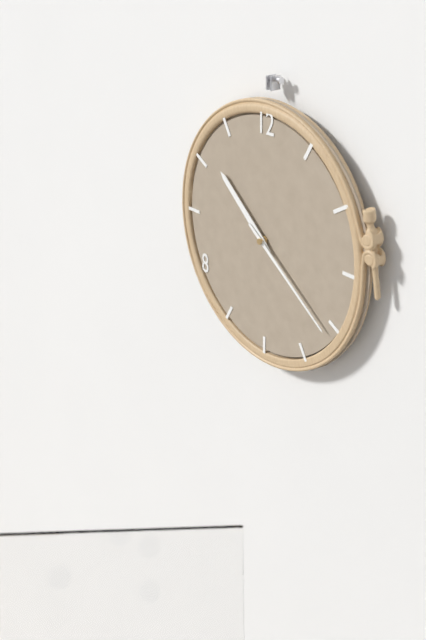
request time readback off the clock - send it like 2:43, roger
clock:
10:21
